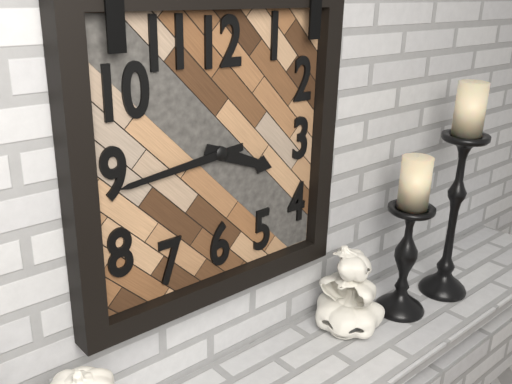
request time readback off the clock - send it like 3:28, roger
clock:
3:44
